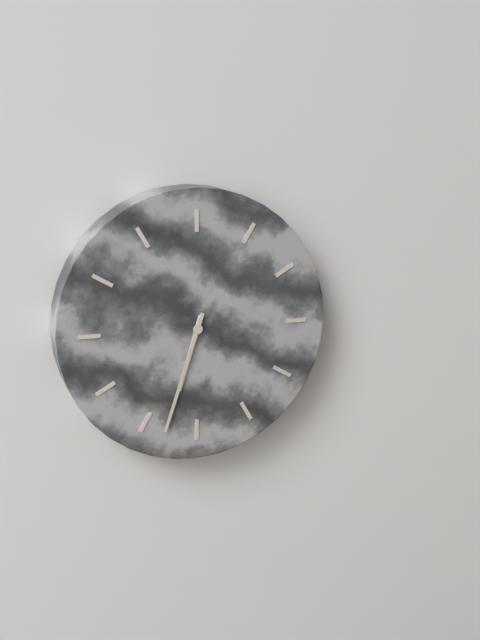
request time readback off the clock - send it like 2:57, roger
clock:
6:33
